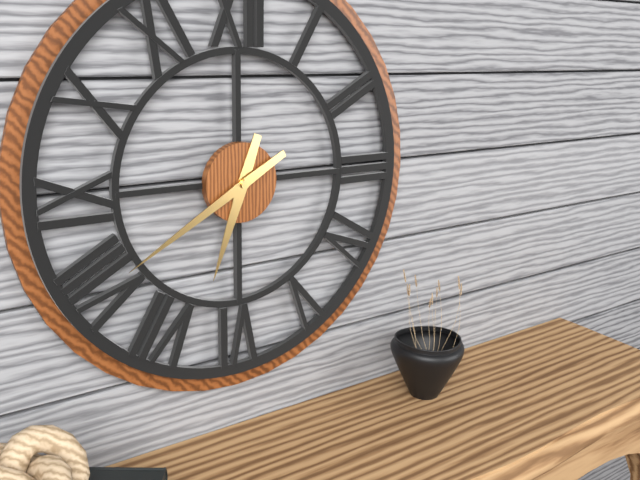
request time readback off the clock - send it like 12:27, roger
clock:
6:40
